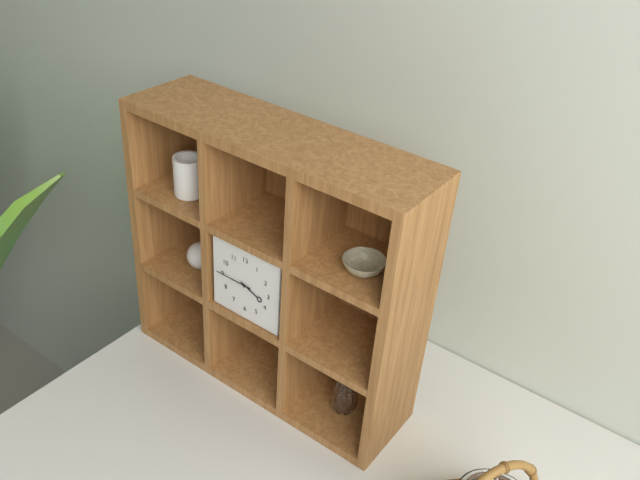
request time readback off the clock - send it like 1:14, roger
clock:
3:45
